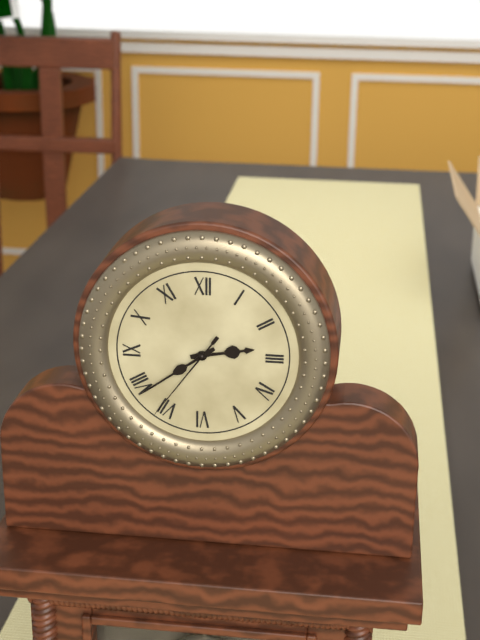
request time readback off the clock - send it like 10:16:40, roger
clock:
2:39:36
